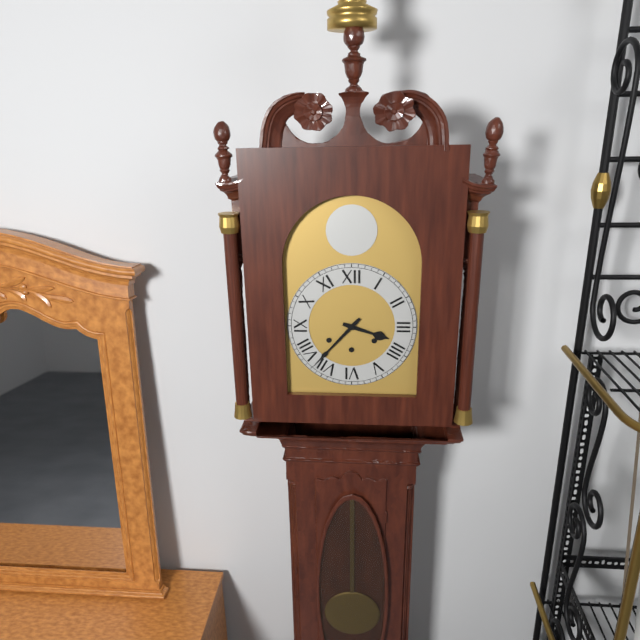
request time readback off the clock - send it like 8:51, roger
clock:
3:37
